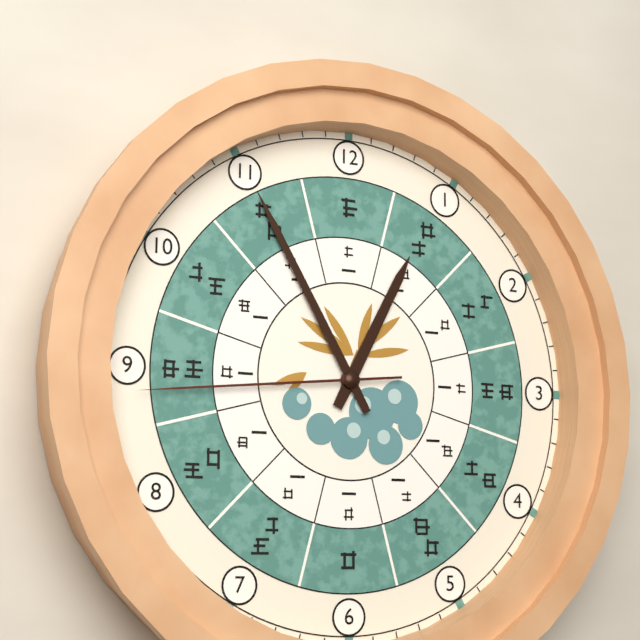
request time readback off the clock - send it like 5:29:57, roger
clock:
12:55:44
